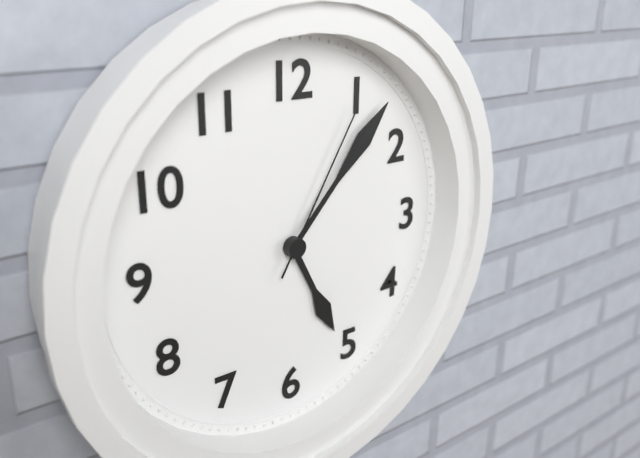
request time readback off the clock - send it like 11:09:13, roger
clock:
5:07:05
